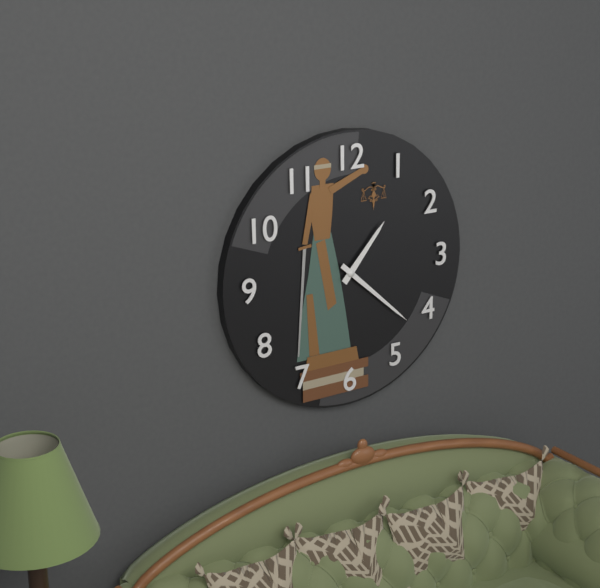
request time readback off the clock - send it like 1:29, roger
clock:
1:22
